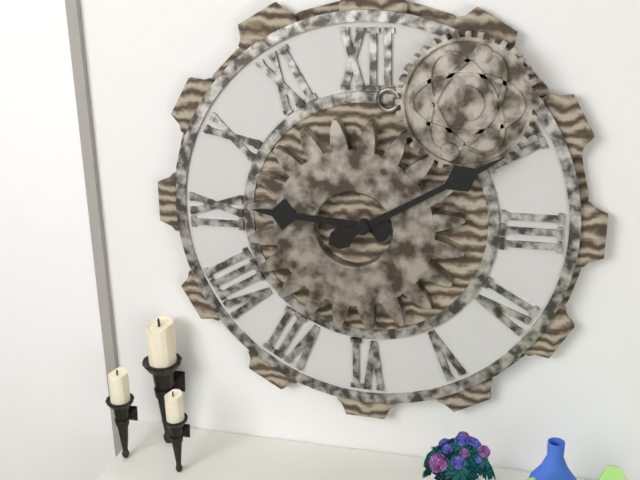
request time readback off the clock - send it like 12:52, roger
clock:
9:10
